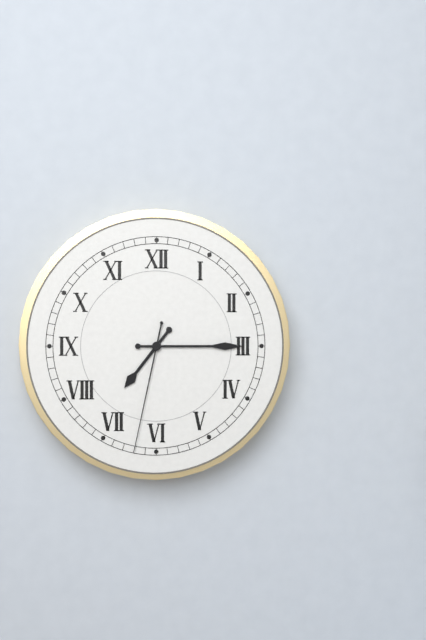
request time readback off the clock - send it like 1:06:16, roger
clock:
7:15:32
